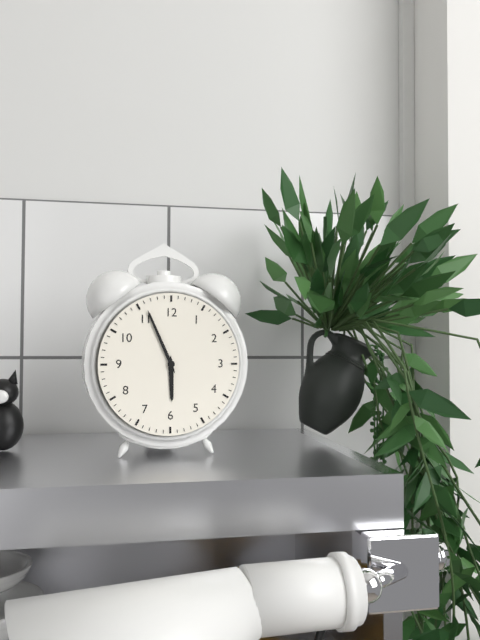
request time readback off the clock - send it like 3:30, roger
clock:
5:56
